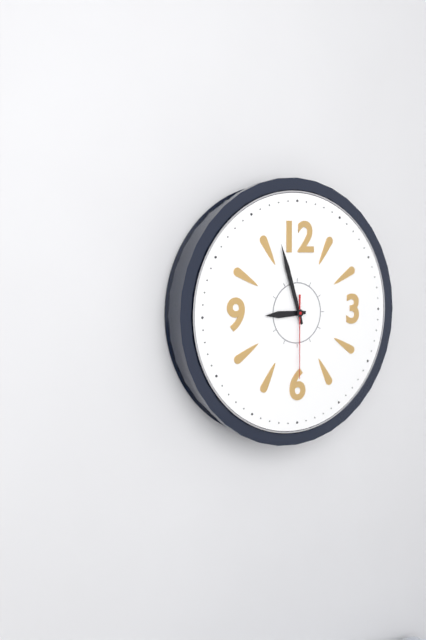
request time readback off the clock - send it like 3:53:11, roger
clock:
8:57:30
